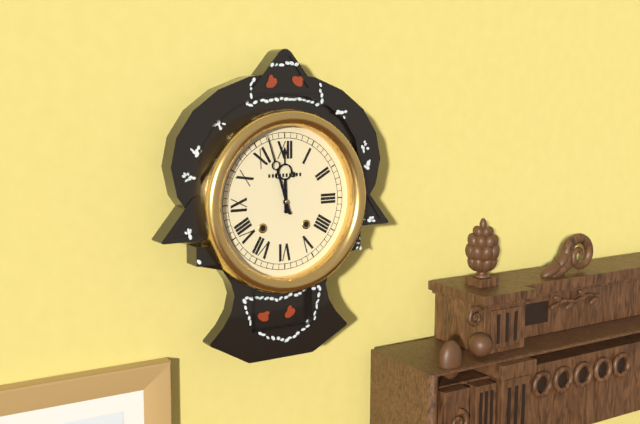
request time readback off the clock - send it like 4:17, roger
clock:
11:57
